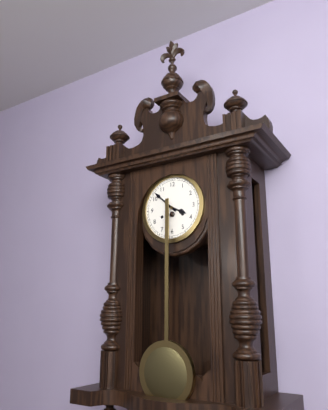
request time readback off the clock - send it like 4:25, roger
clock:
3:52
